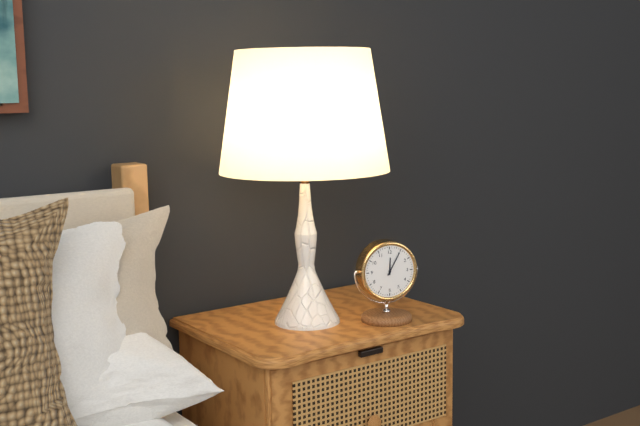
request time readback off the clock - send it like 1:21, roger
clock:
12:05
